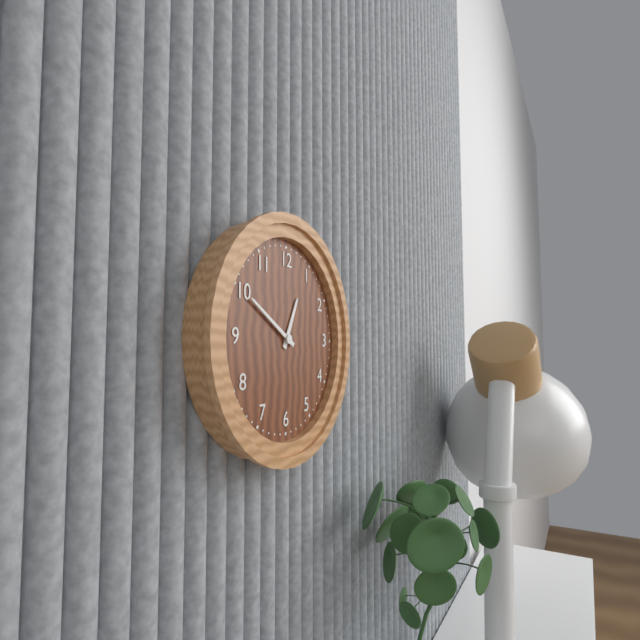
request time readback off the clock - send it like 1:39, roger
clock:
12:50
